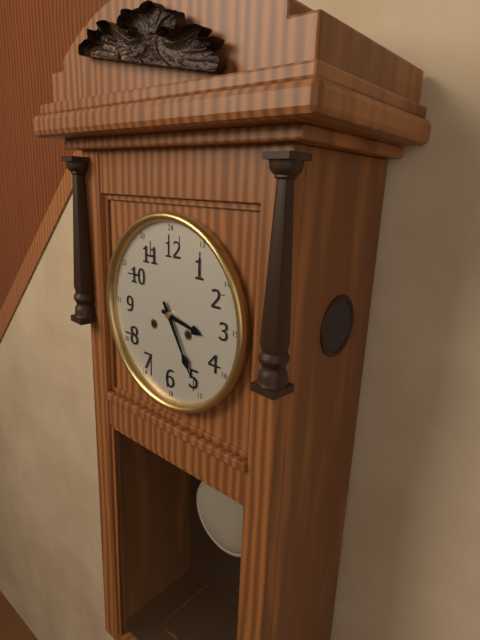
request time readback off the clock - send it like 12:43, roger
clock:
3:25
